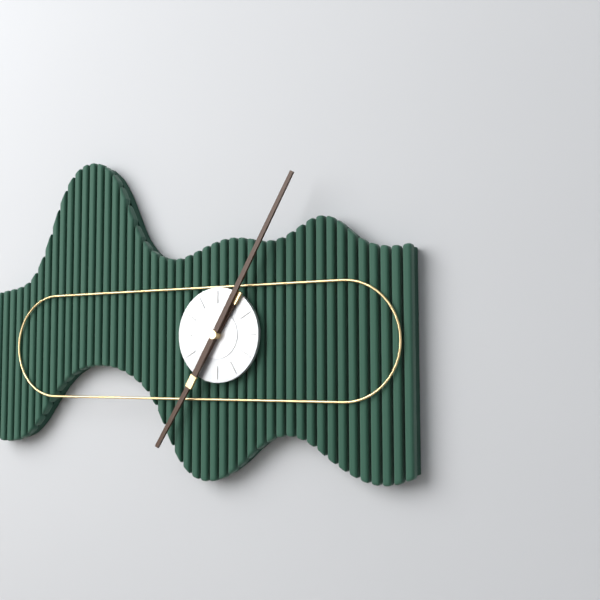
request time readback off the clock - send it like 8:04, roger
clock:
7:05
